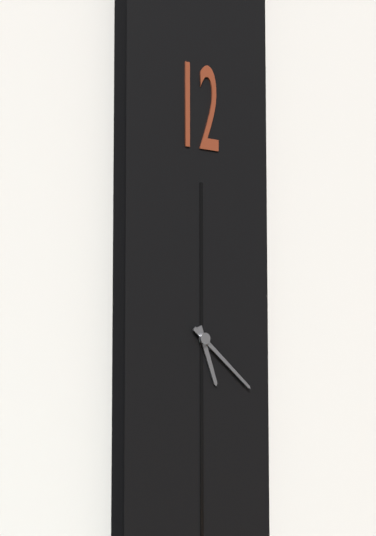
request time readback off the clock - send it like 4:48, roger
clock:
5:22
